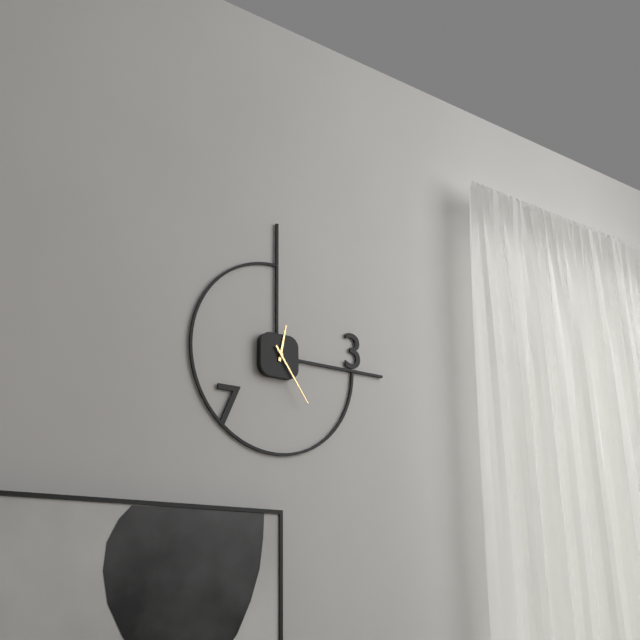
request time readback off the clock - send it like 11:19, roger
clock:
12:24
